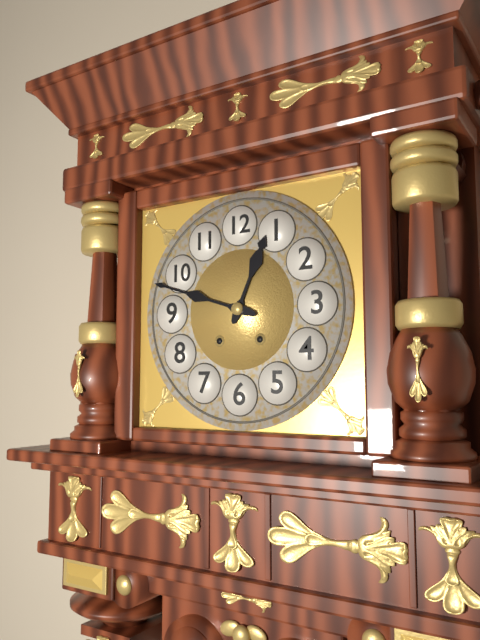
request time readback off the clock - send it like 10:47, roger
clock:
12:48
